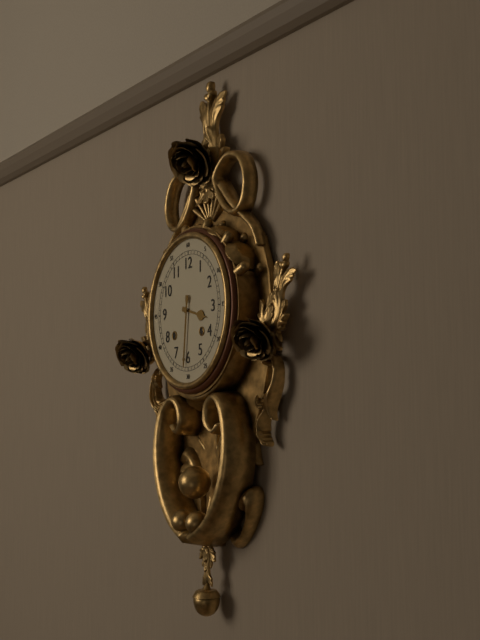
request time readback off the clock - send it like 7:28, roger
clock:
3:31
